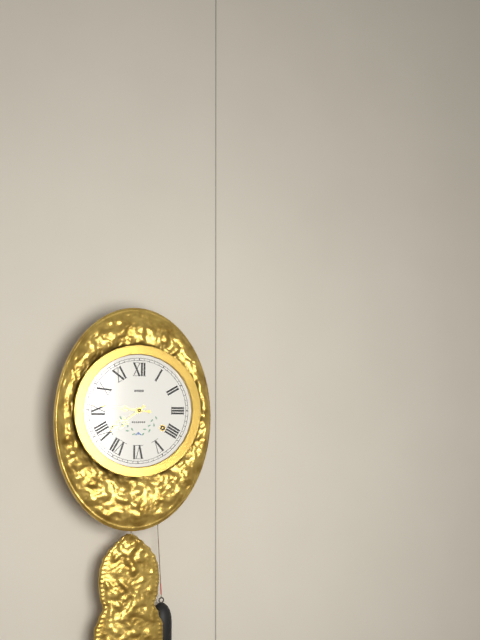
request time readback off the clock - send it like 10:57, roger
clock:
7:46
